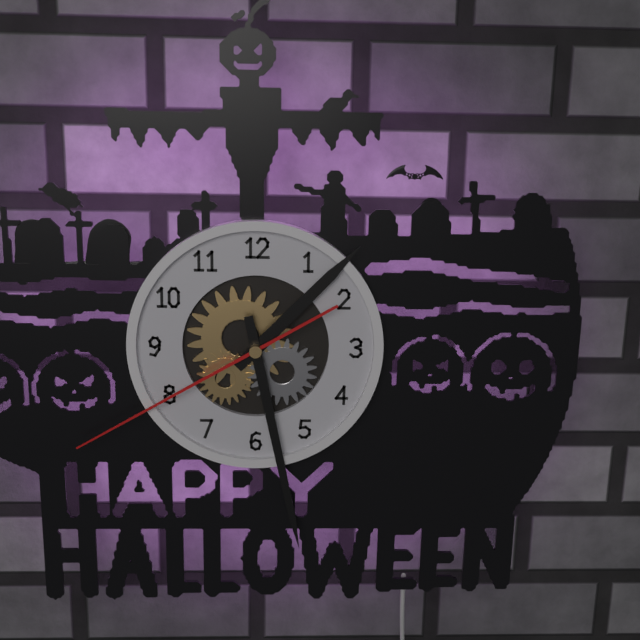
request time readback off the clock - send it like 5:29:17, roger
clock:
1:28:40
